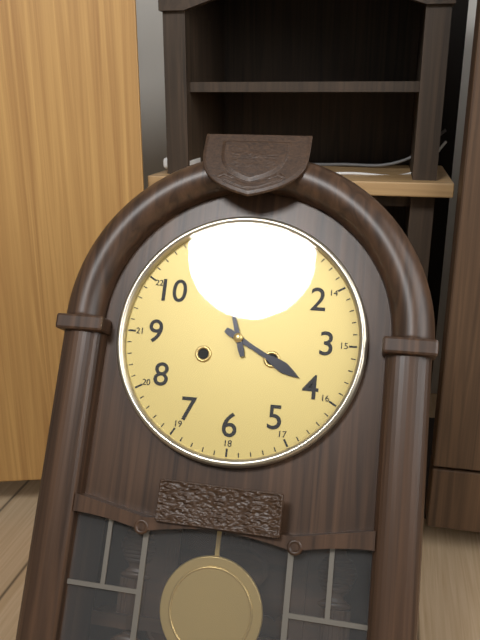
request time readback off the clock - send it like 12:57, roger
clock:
3:57
